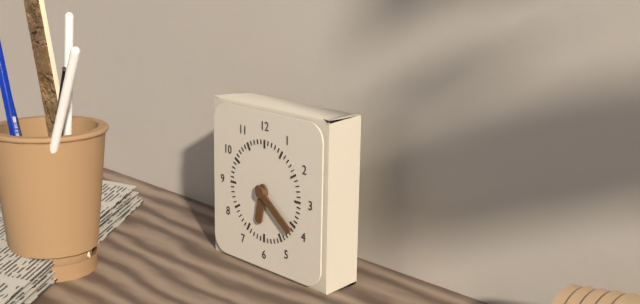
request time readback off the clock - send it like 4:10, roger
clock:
6:21
